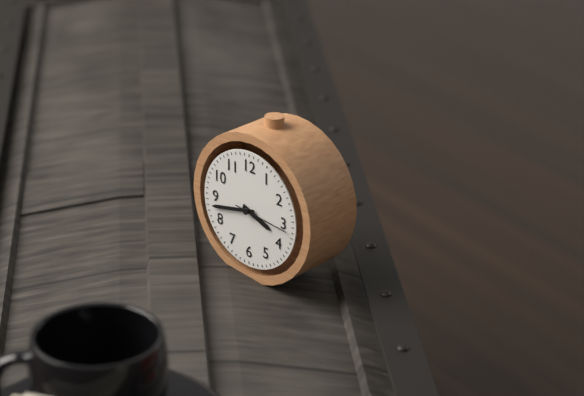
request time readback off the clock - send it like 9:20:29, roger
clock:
3:43:16
